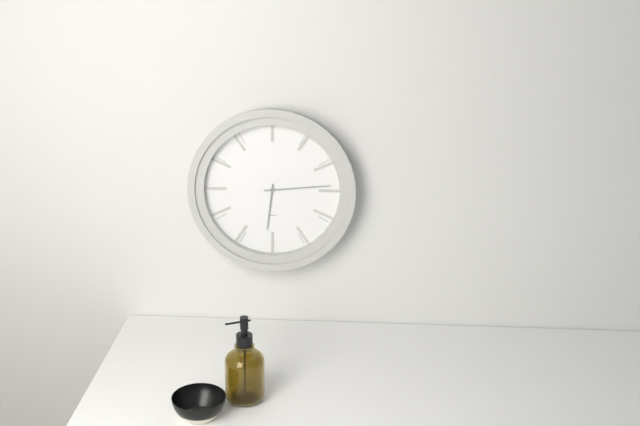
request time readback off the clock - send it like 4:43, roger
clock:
6:14
